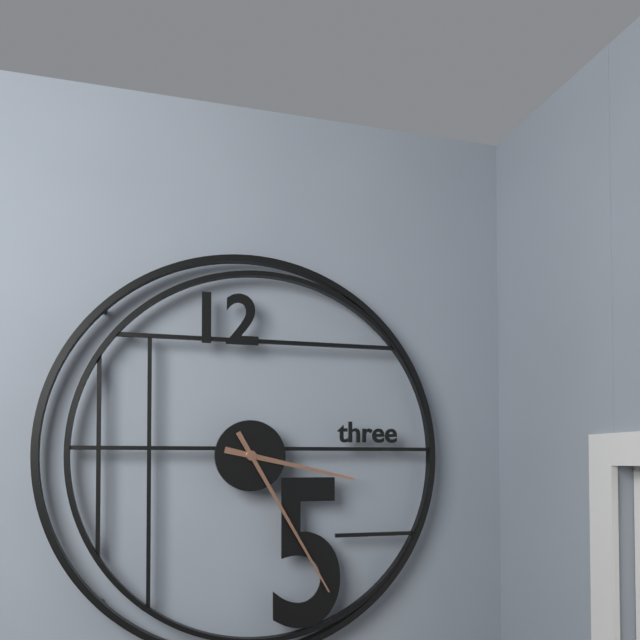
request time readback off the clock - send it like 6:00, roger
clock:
3:25
